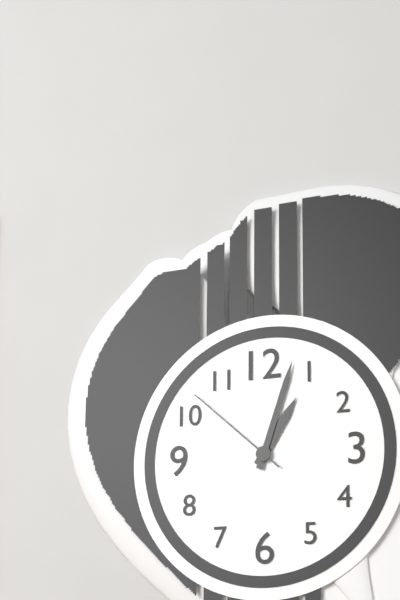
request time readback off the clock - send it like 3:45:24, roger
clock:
1:03:52
